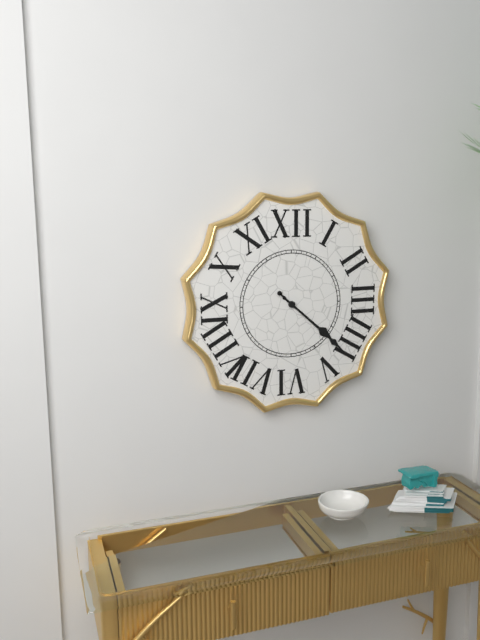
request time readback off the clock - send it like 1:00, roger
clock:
4:22
